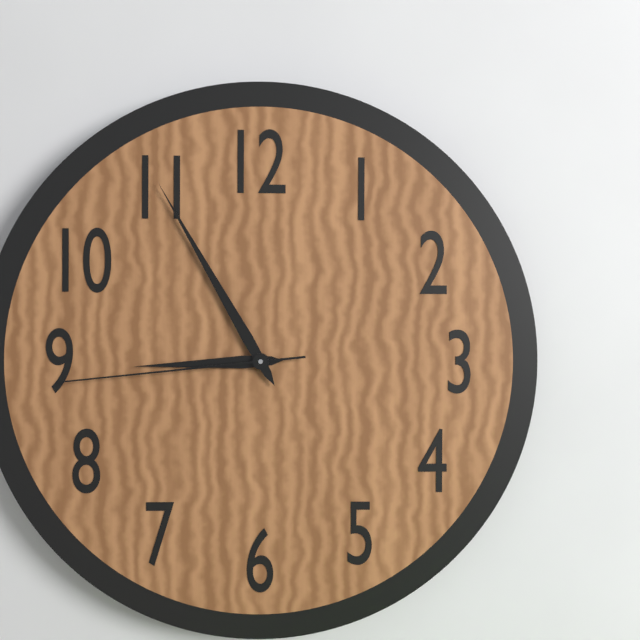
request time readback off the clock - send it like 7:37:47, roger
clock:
8:55:44
